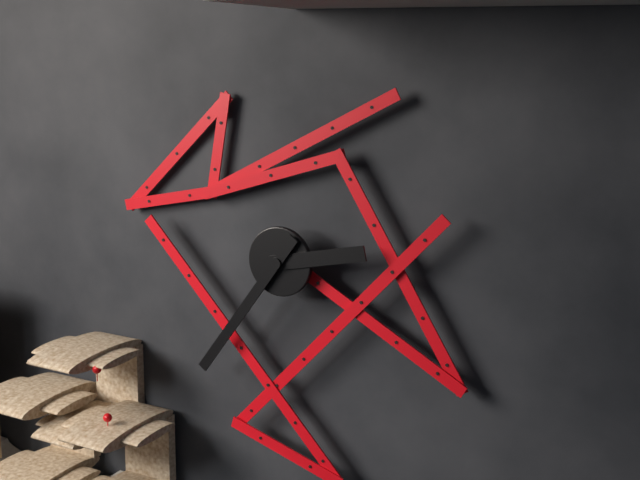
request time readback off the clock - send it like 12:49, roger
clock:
2:36
